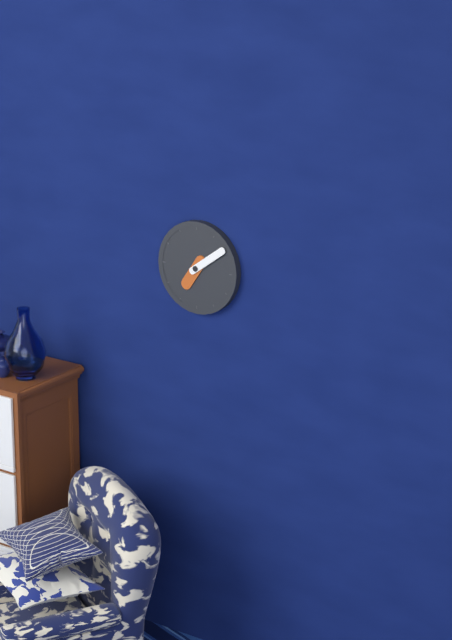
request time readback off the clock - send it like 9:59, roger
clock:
7:09
